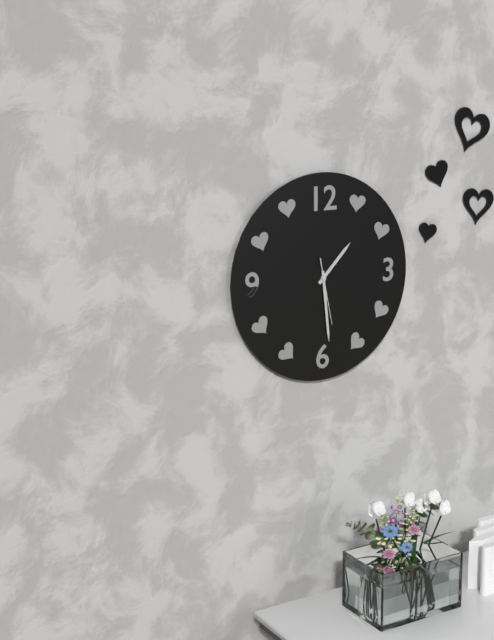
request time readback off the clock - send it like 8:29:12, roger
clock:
1:29:28
